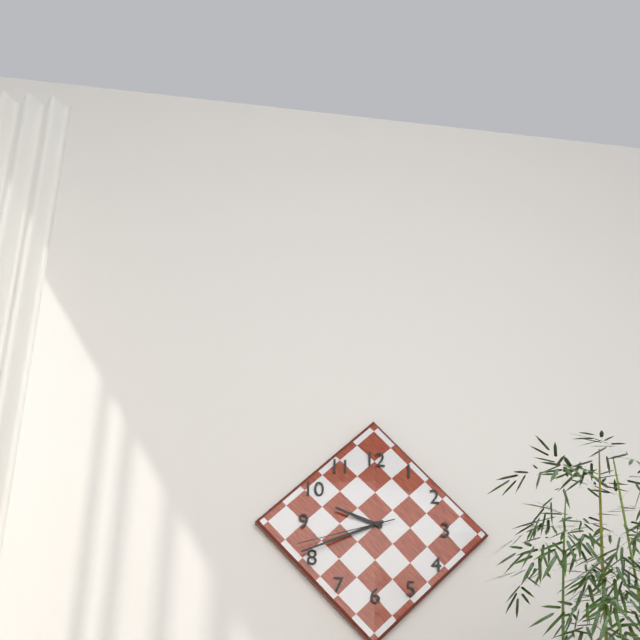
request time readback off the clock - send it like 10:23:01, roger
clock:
9:41:42
